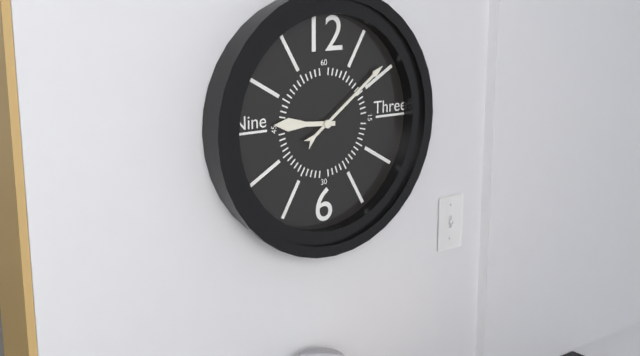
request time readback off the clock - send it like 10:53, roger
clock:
9:09
